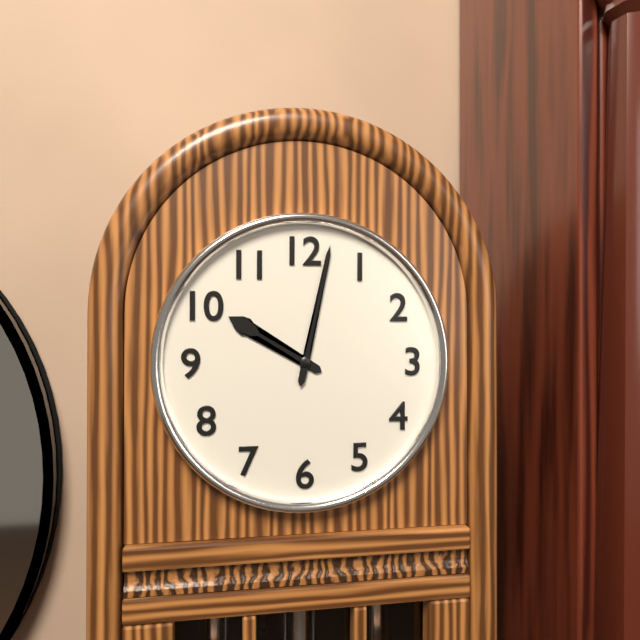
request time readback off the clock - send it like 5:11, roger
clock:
10:02
